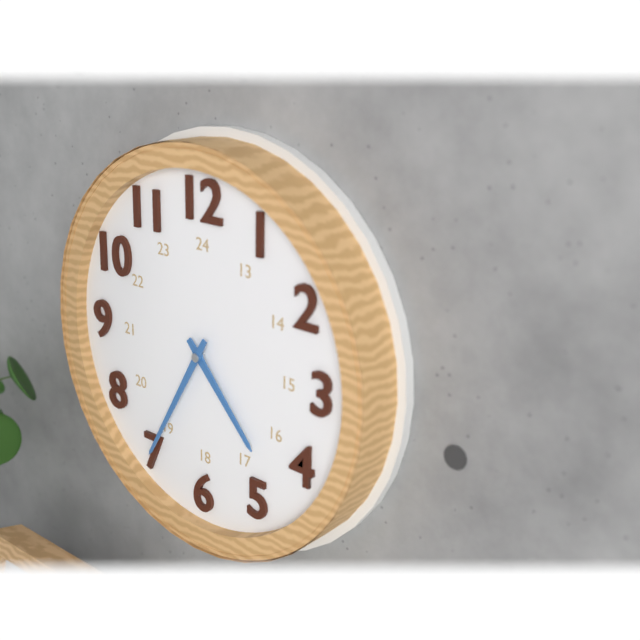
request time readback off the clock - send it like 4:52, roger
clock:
4:35
